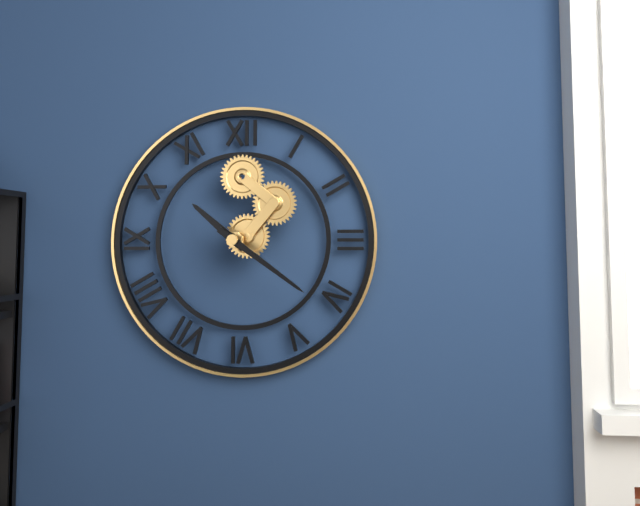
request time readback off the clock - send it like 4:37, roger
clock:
10:21
